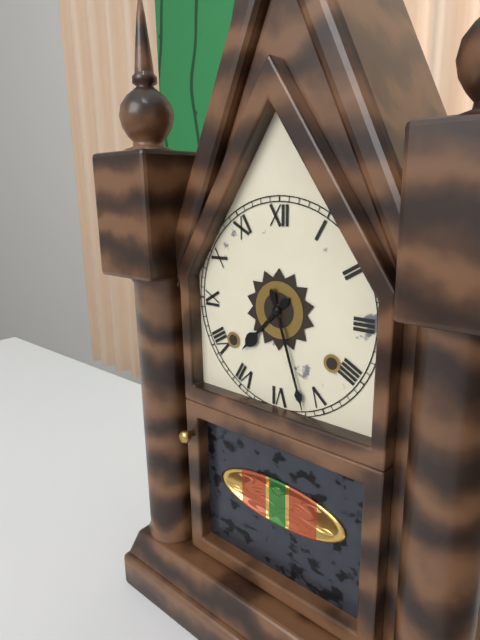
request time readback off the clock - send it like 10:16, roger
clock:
7:27
